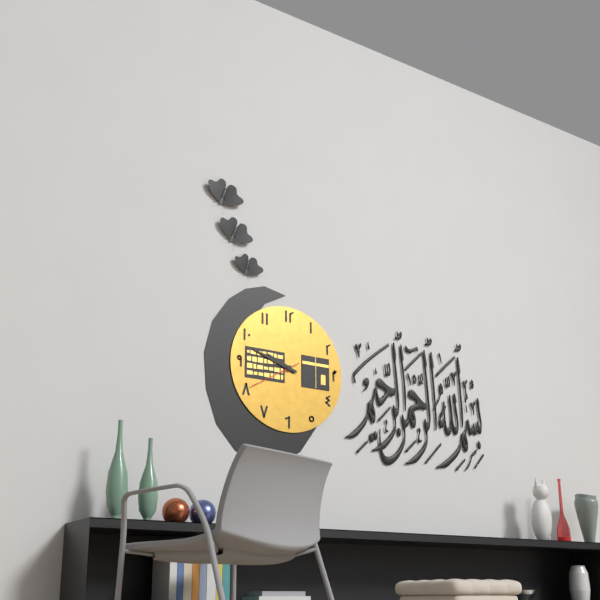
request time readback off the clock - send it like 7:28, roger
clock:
9:48
